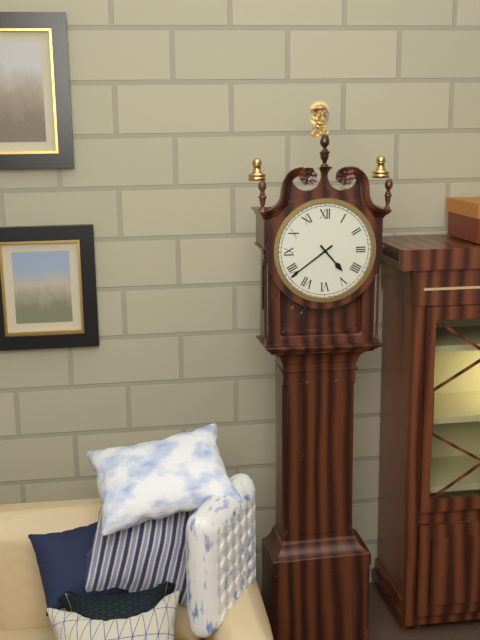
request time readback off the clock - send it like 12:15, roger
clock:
4:39
